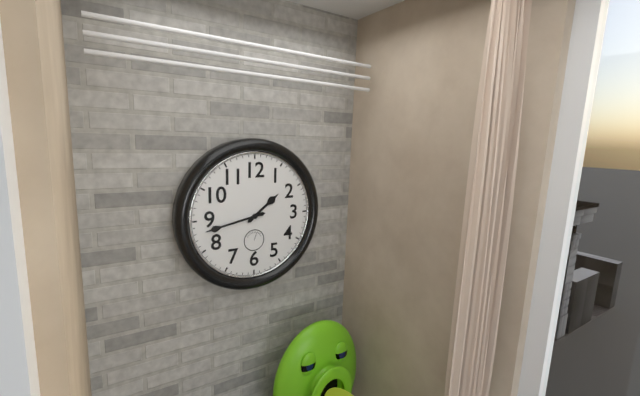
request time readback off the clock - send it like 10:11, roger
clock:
1:43
